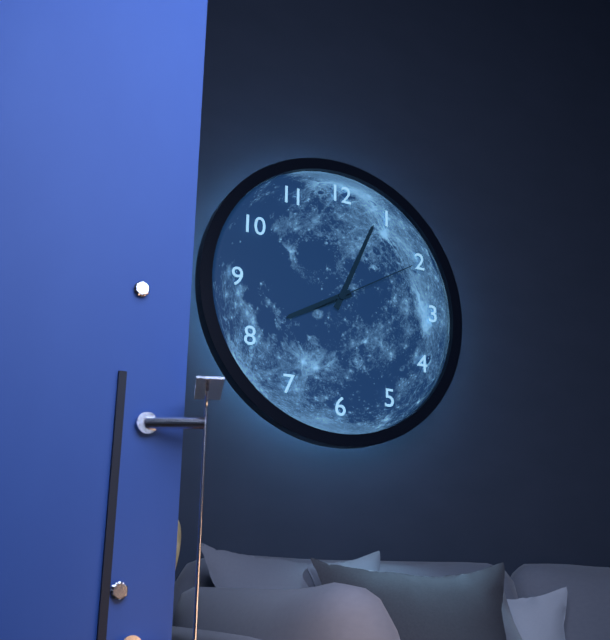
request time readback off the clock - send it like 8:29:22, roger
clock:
8:04:10
